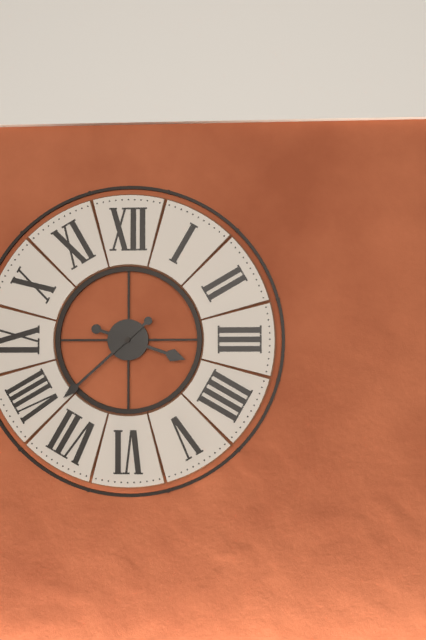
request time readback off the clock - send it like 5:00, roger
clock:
3:38
